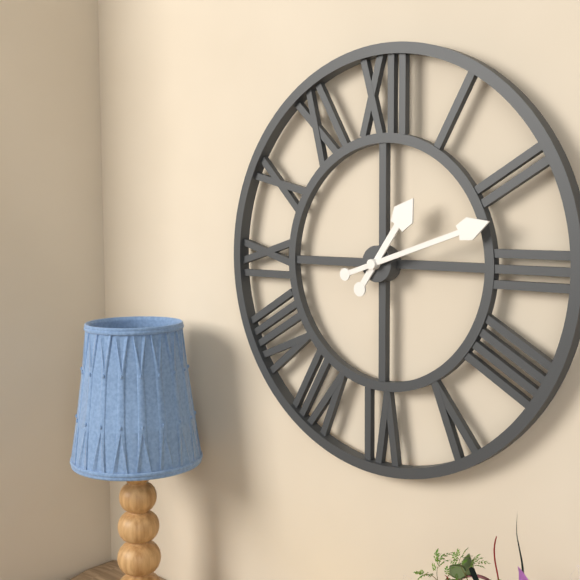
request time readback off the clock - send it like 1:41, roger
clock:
1:12
